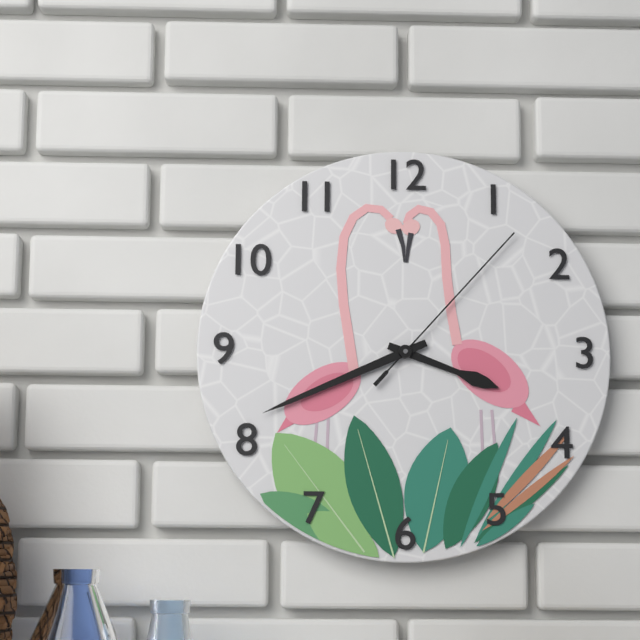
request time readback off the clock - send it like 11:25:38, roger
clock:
3:41:07
